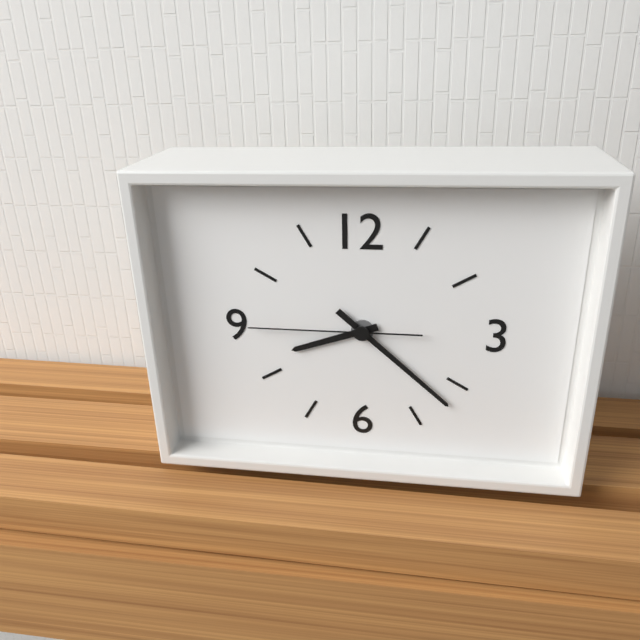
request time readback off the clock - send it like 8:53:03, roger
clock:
8:22:45
